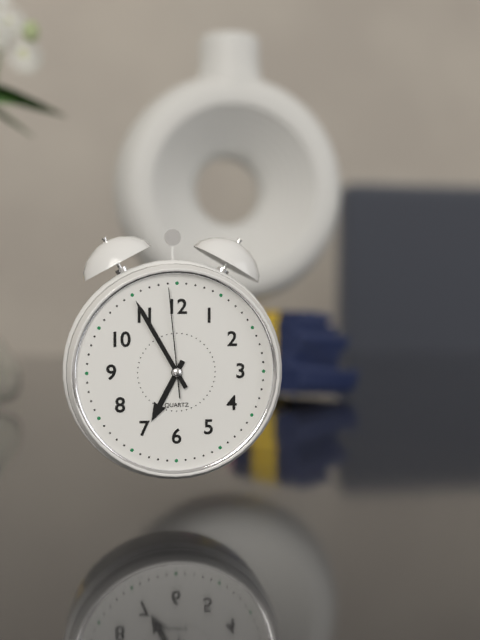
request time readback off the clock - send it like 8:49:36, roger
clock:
6:55:59
